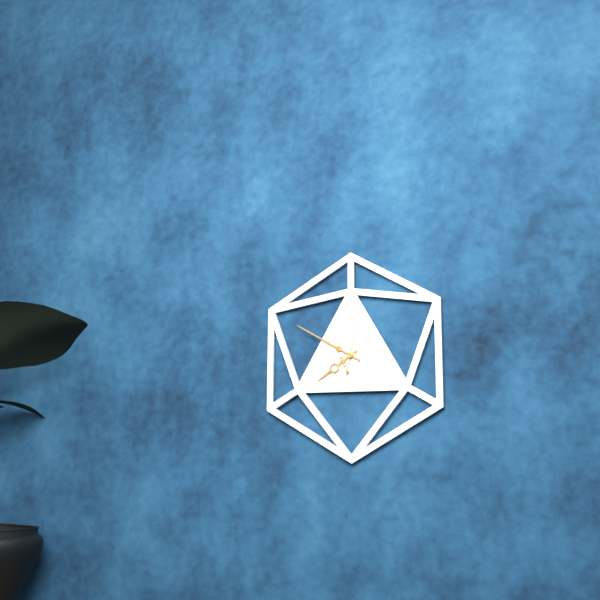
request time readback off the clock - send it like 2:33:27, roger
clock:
7:50:02
